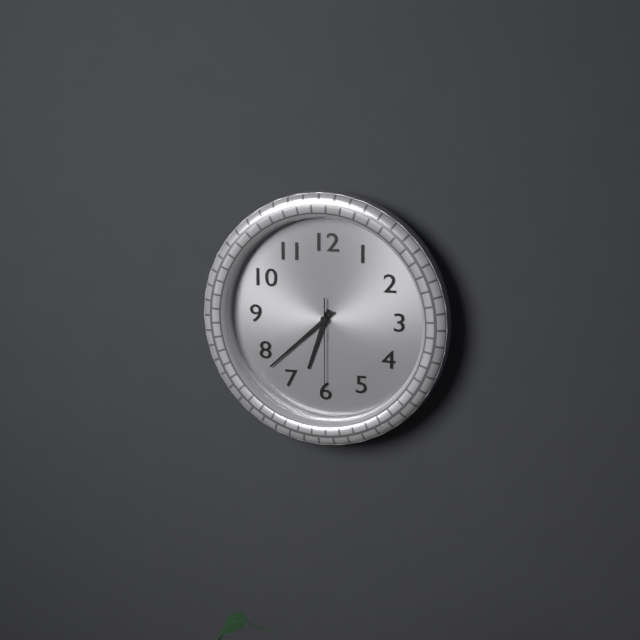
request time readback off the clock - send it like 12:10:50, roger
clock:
6:38:30
